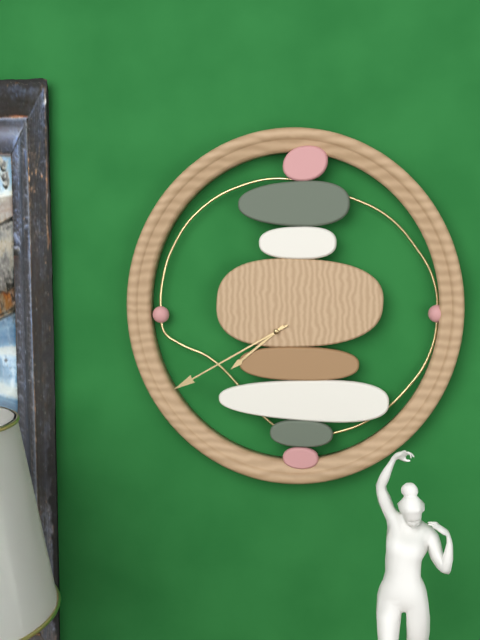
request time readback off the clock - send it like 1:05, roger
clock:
7:40
